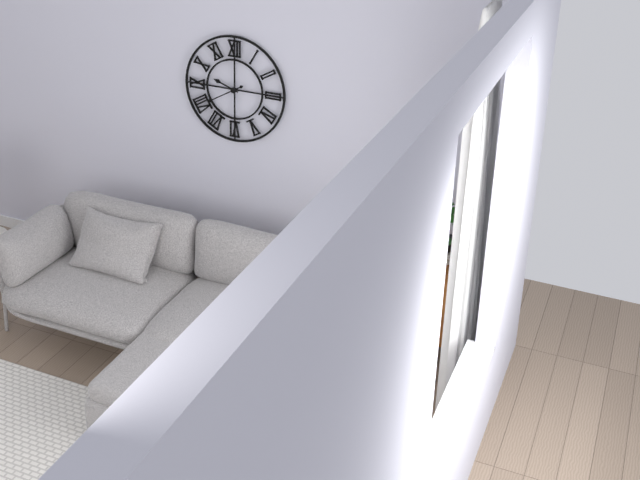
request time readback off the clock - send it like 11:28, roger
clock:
9:40
